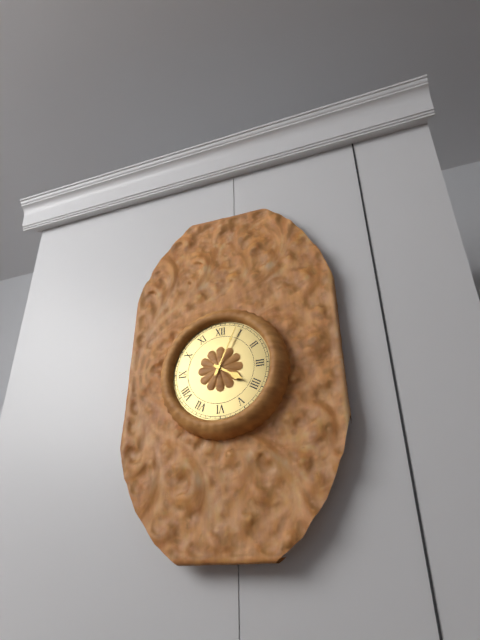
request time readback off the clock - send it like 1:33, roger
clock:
4:04
